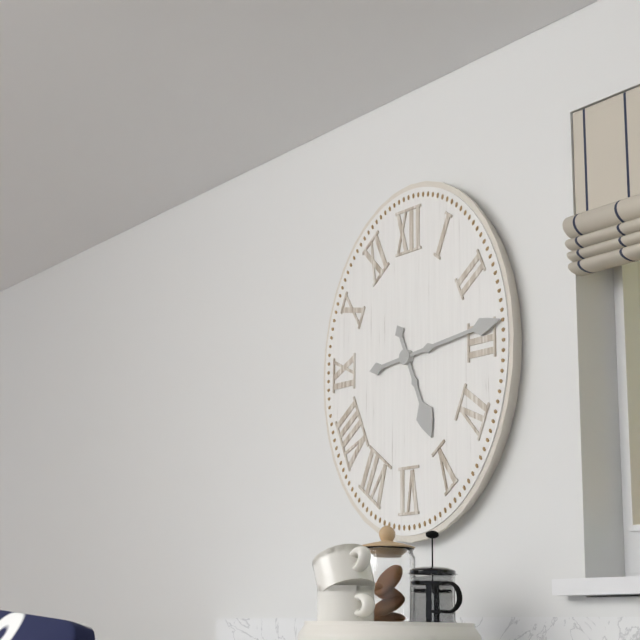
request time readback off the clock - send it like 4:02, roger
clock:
5:14
